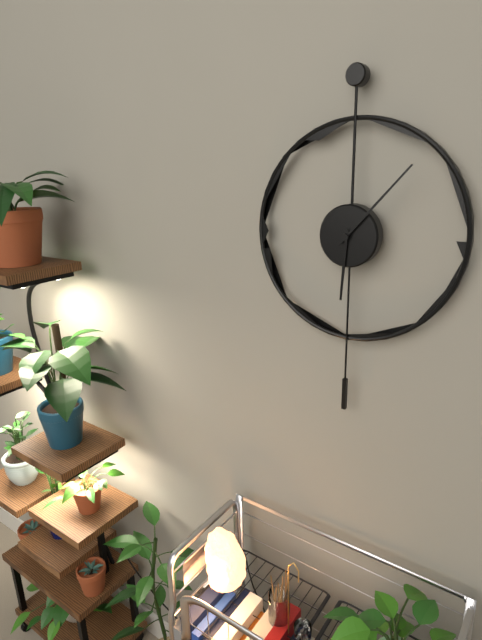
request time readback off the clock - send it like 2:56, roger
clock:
6:07
